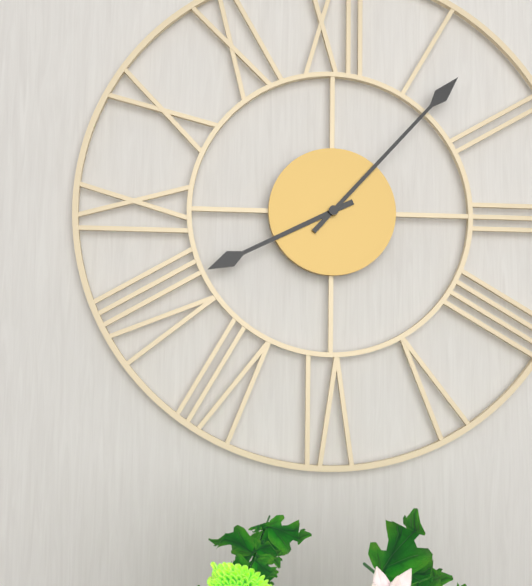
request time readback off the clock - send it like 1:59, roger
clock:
8:07
